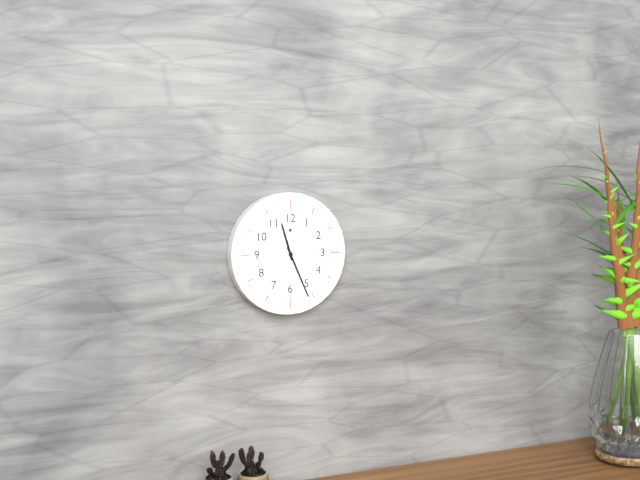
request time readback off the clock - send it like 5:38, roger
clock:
11:26
